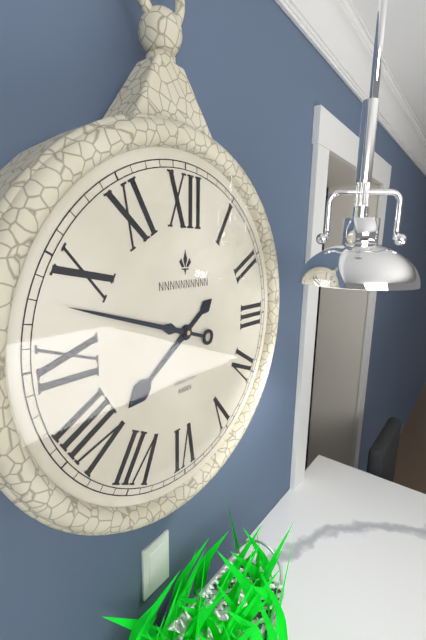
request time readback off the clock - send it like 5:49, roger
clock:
7:48
